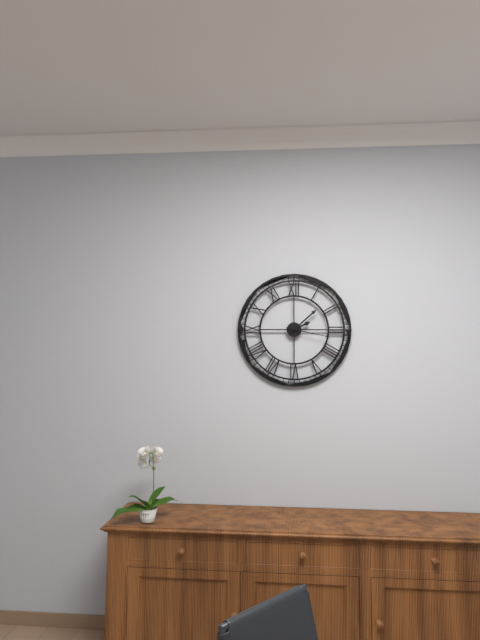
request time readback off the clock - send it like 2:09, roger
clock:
2:08
